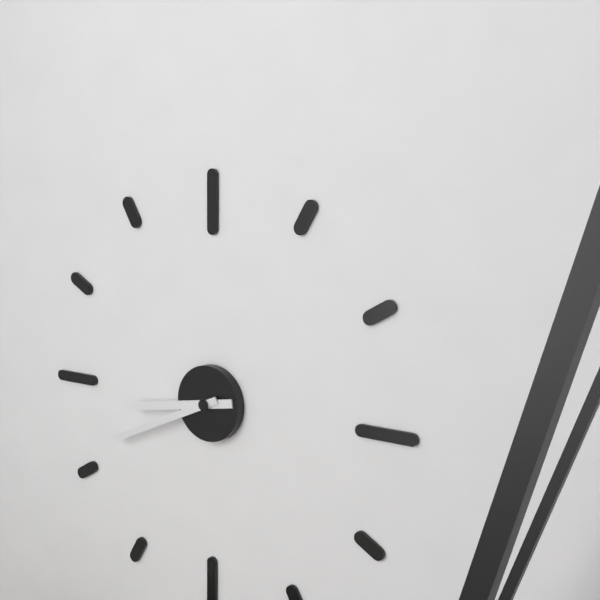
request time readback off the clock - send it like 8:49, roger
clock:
8:41
